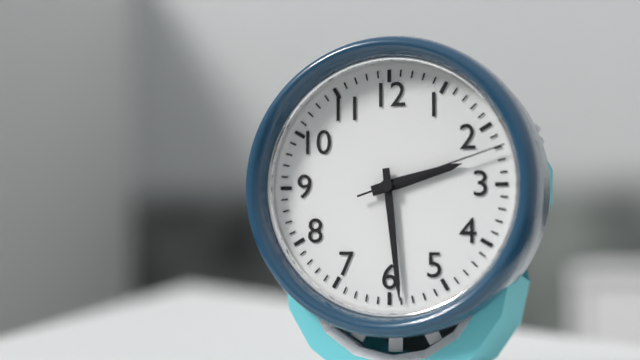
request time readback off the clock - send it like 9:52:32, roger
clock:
2:29:12
